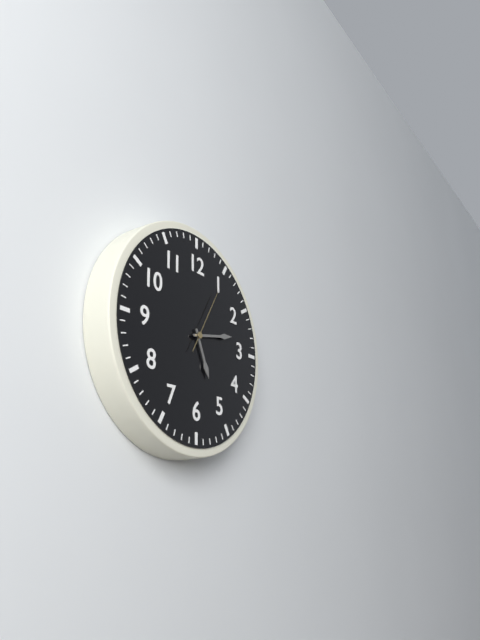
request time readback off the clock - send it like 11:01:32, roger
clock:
5:13:05
